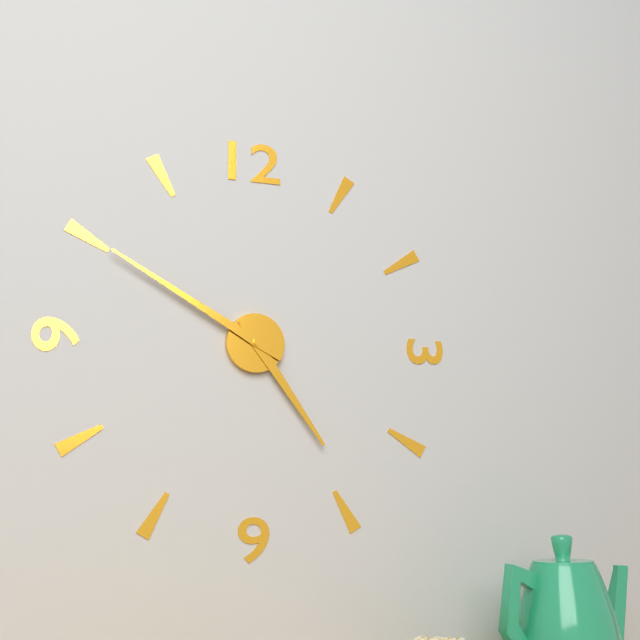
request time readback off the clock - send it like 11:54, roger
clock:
4:50
